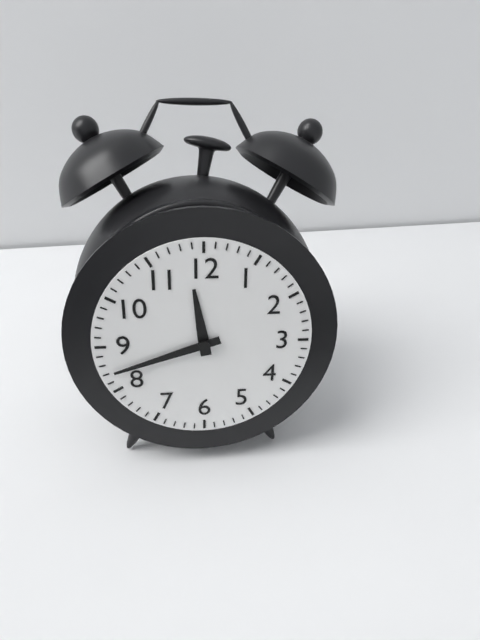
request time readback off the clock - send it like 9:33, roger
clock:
11:42
